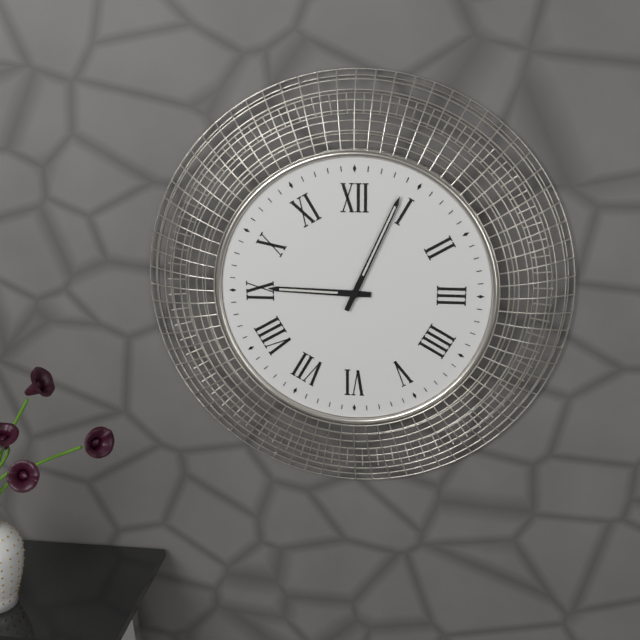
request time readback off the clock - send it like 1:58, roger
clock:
9:04
